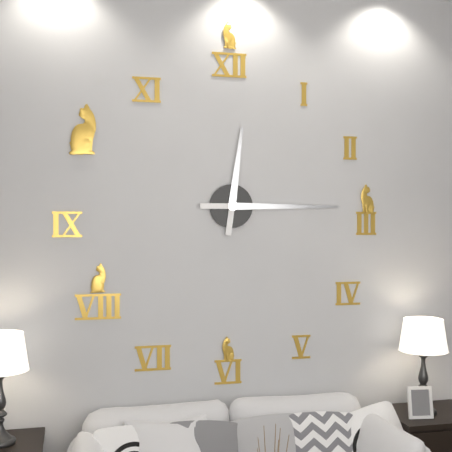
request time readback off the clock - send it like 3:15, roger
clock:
12:15
